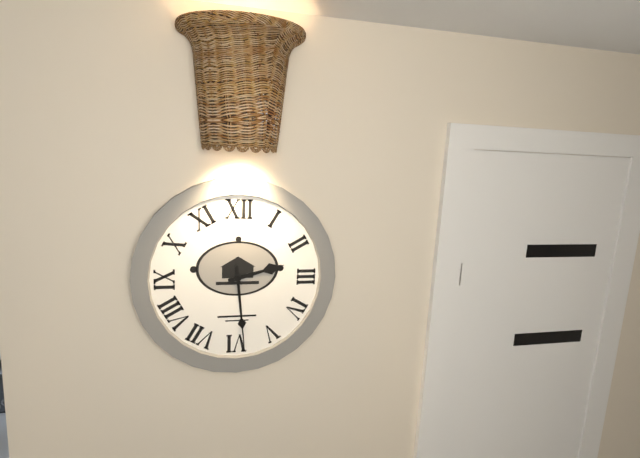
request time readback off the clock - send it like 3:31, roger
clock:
2:29
